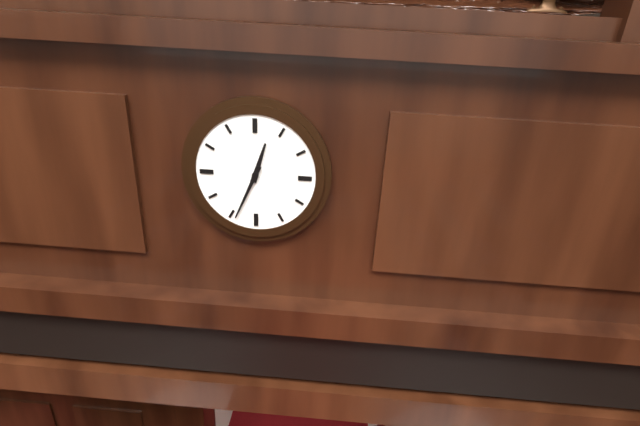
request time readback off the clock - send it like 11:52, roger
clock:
12:34
